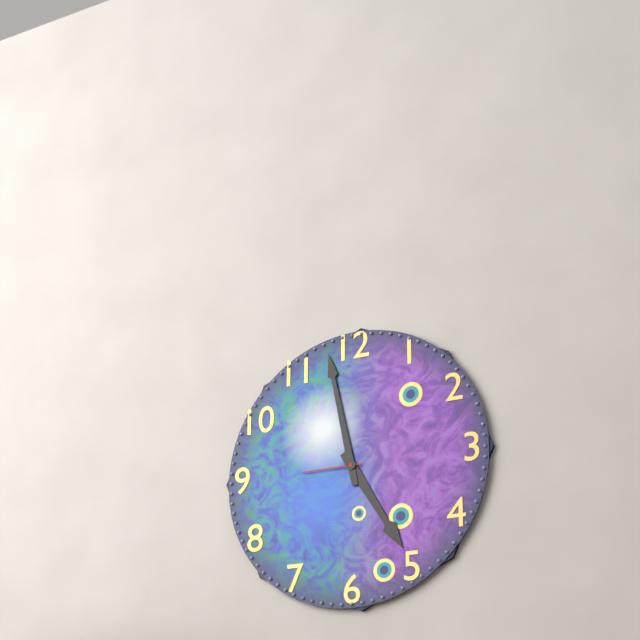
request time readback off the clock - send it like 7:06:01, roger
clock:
4:58:45
